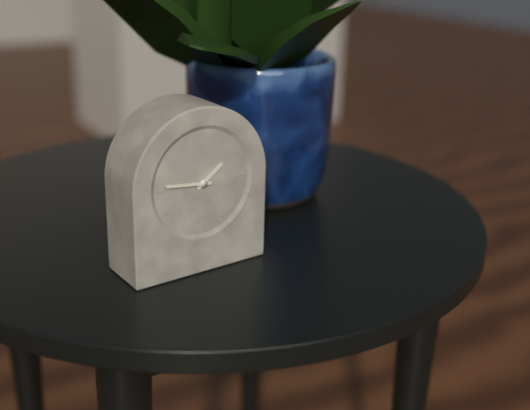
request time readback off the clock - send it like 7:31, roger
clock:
1:46
